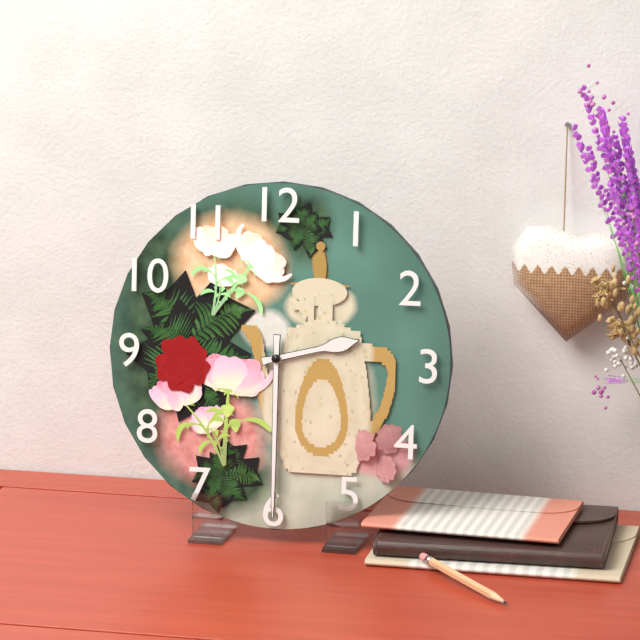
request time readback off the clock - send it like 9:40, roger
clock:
2:30
